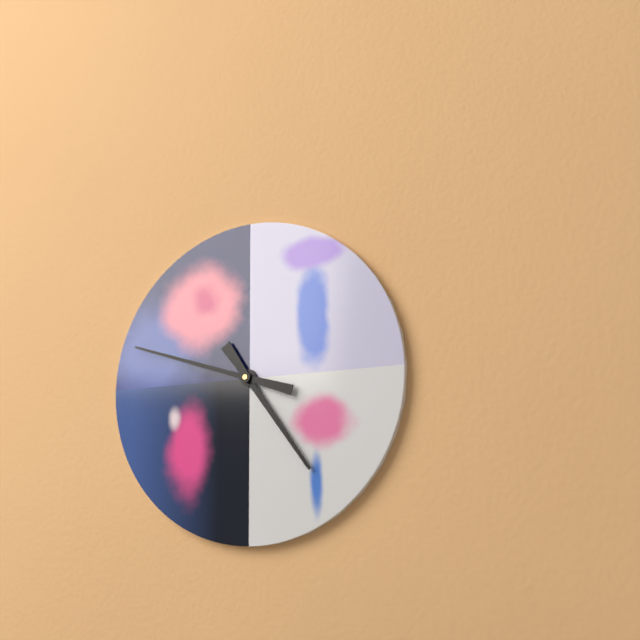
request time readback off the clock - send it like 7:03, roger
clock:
4:48
